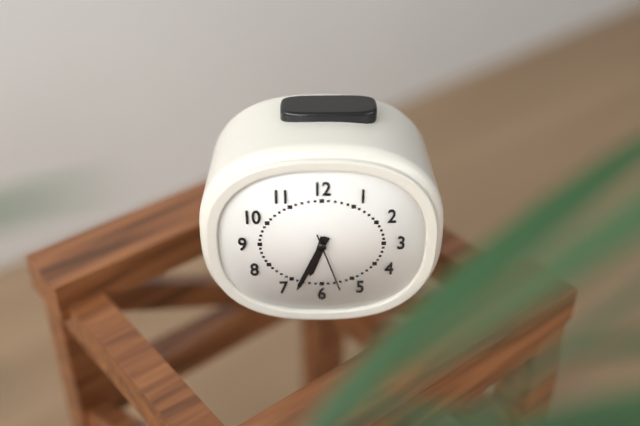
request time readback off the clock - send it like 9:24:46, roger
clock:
6:34:27
